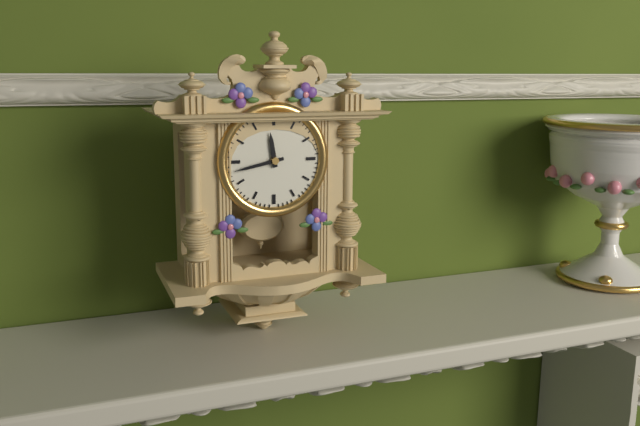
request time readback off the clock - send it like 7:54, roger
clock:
11:43
